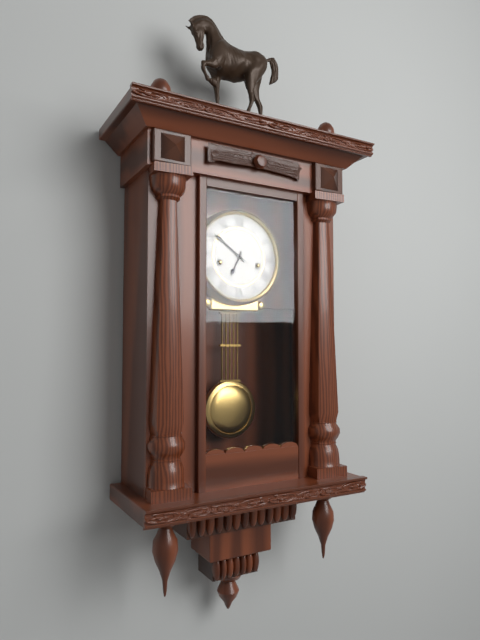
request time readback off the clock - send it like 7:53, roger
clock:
6:51
